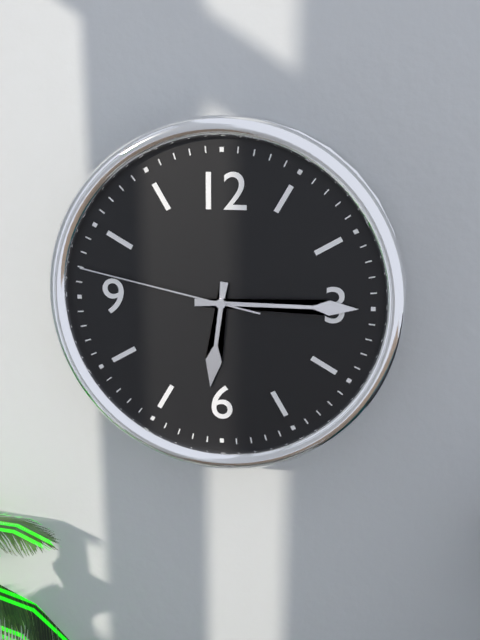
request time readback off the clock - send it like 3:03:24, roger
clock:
6:15:47
